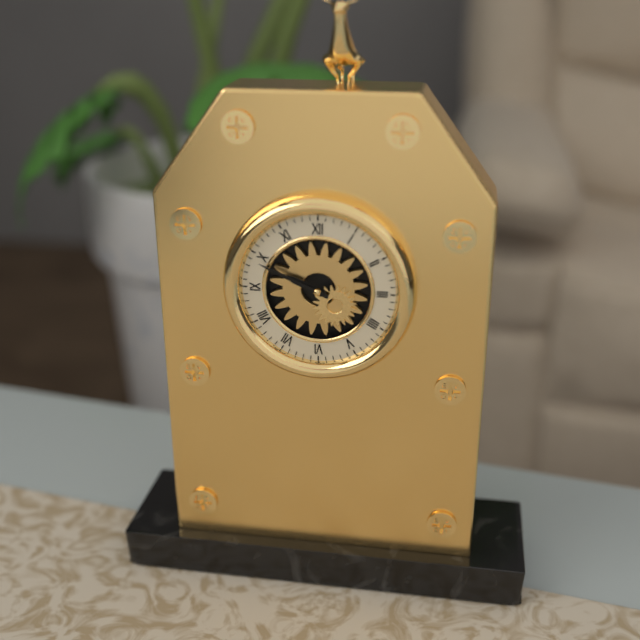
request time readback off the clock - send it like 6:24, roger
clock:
9:49
